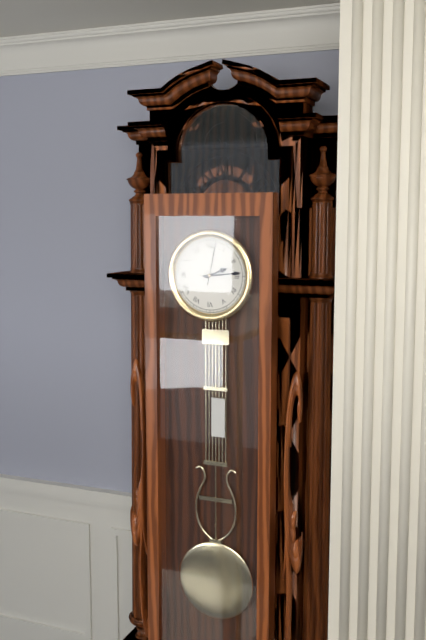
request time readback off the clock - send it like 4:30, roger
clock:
2:14
